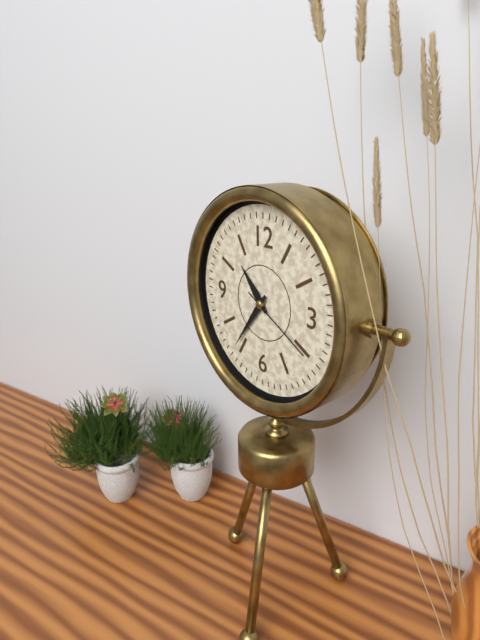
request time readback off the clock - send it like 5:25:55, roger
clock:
10:36:20
